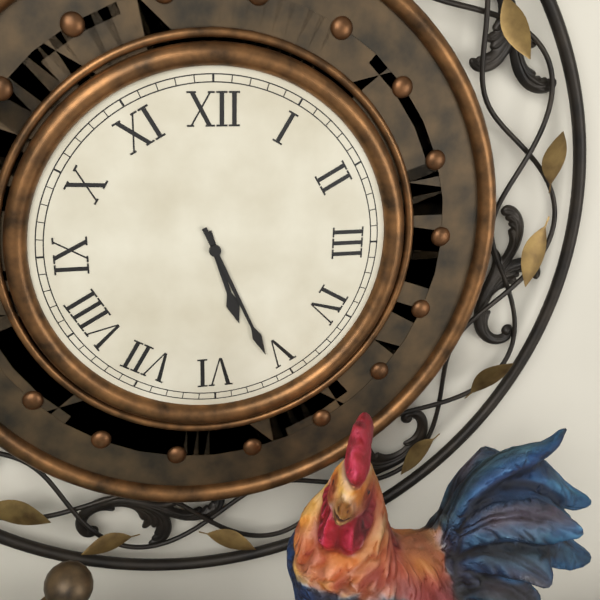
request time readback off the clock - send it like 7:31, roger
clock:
5:26
